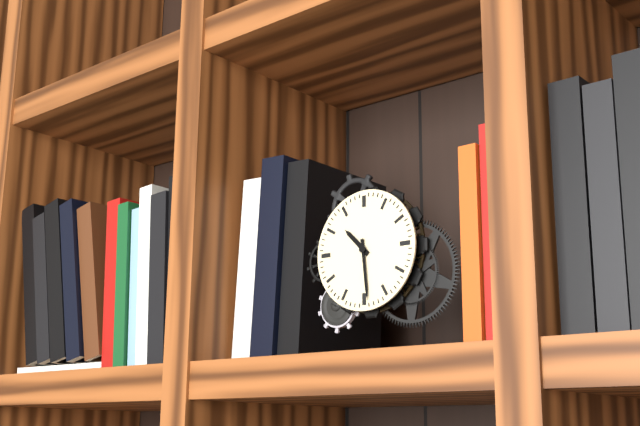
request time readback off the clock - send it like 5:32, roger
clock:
10:29
